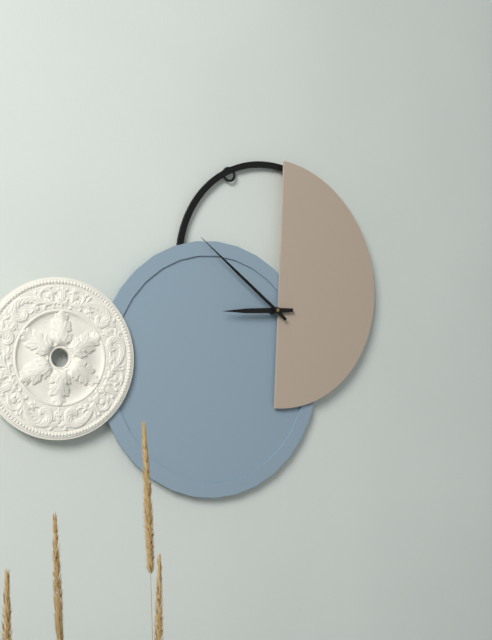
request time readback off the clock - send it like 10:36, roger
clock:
8:51
